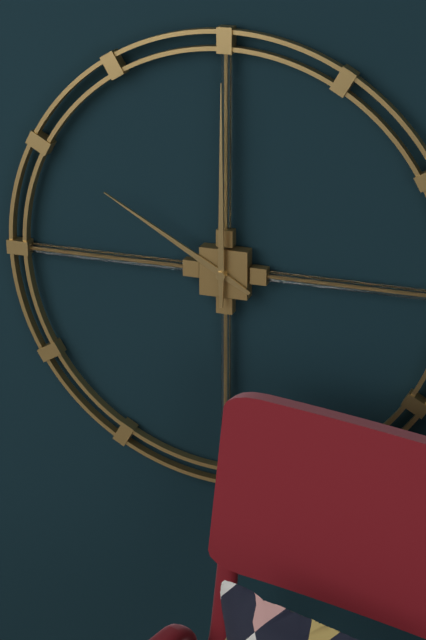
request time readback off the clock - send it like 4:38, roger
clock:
10:00
